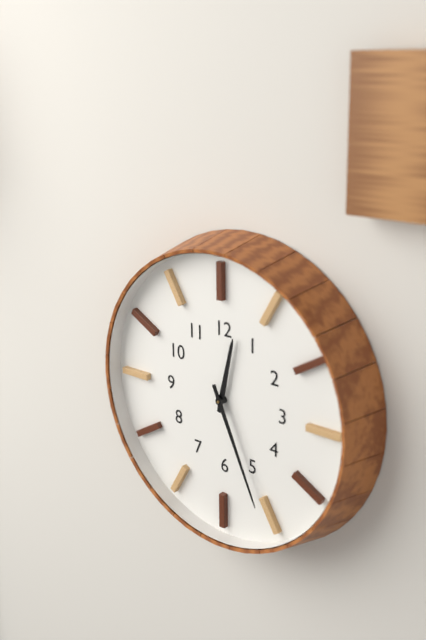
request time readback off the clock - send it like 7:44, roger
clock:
12:26
